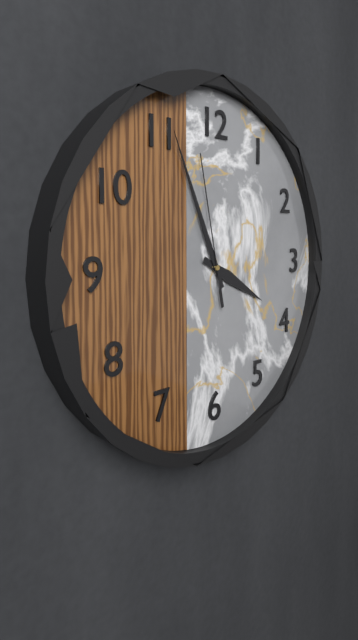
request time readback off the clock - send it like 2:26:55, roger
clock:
3:56:58
